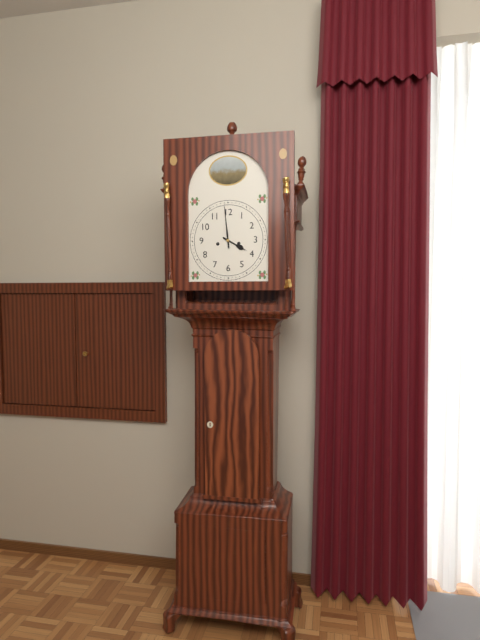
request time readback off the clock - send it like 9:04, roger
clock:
3:59
